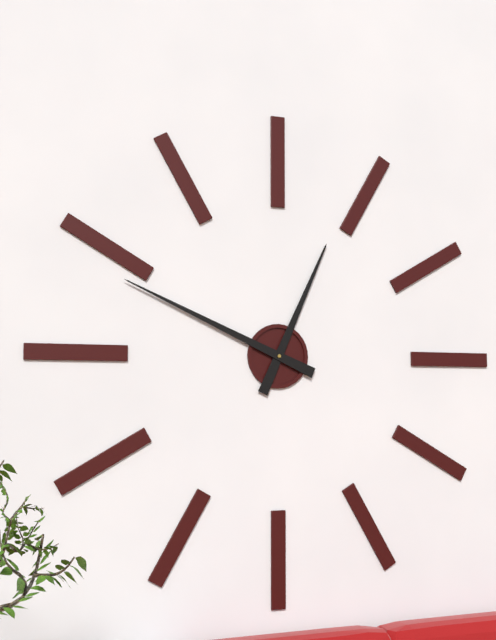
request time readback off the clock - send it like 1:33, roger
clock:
12:49
